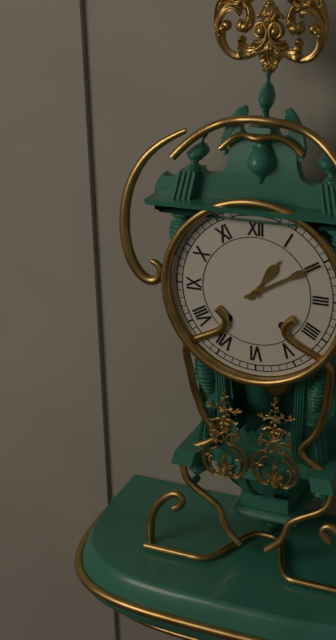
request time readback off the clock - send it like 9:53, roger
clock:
1:10
